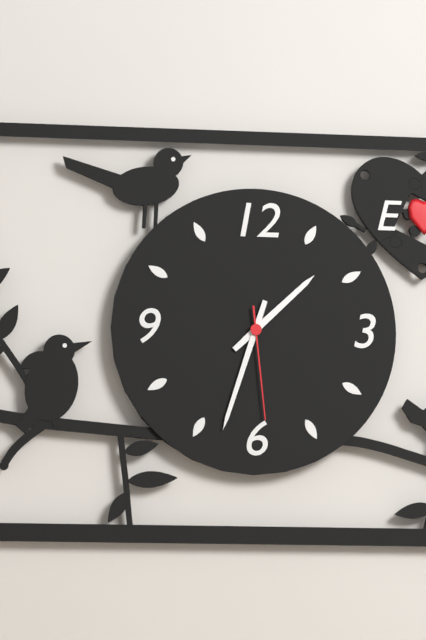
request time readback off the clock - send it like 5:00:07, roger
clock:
1:33:29
